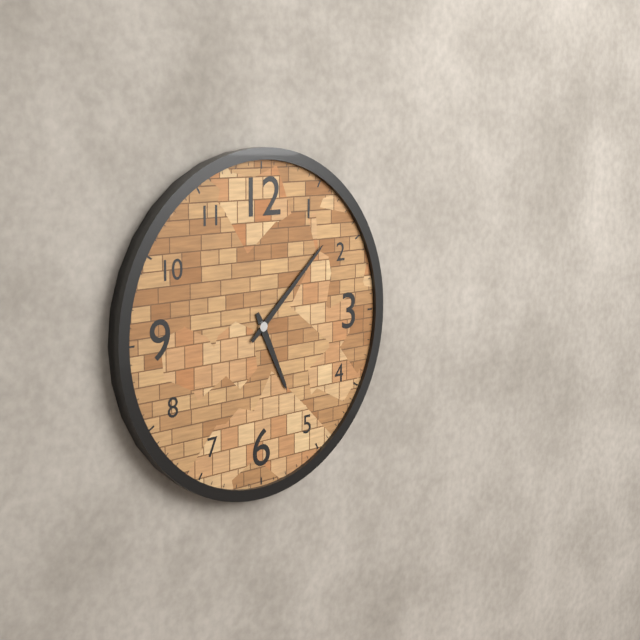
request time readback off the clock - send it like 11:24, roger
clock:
5:08
